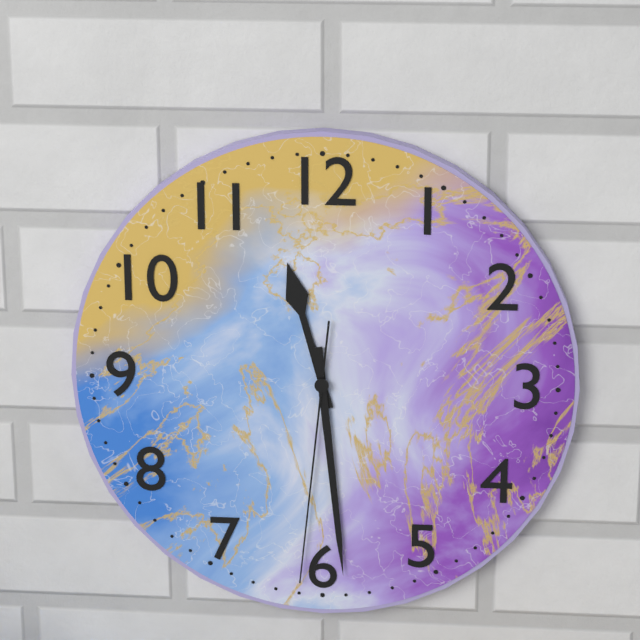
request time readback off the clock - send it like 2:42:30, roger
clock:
11:29:31
